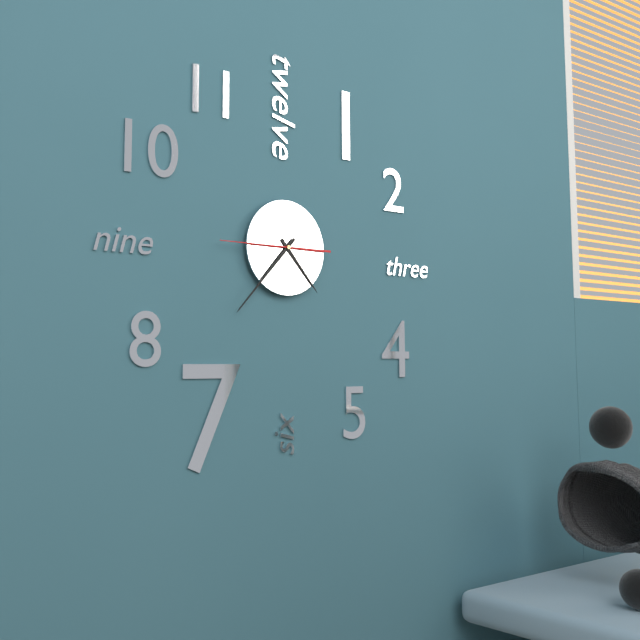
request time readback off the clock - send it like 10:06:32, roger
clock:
4:37:45
